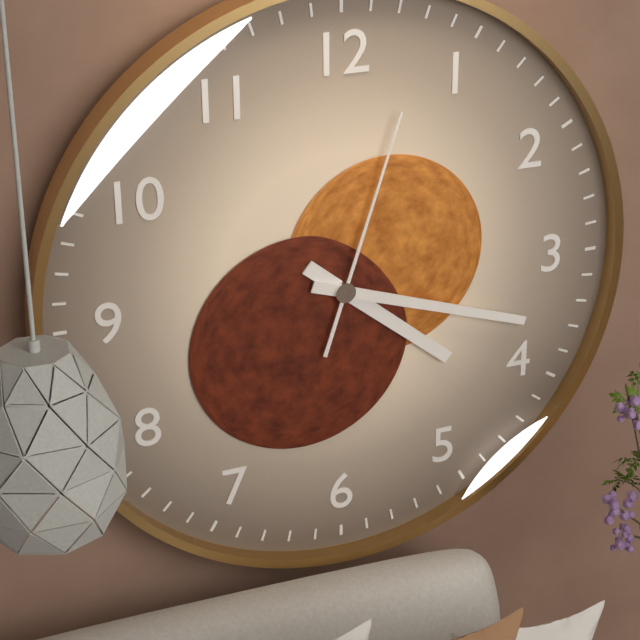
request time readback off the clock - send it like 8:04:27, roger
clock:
4:18:03
